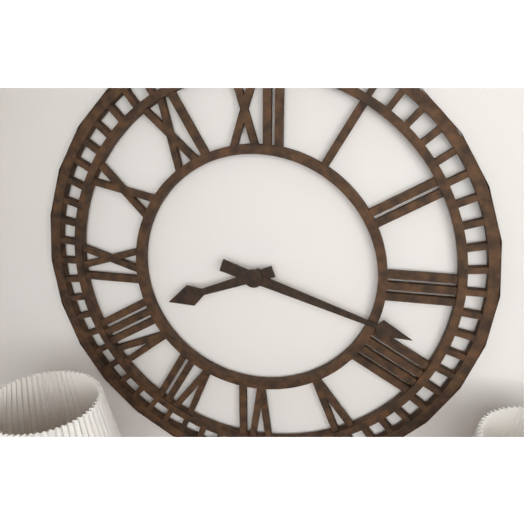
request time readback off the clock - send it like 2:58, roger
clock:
8:18
